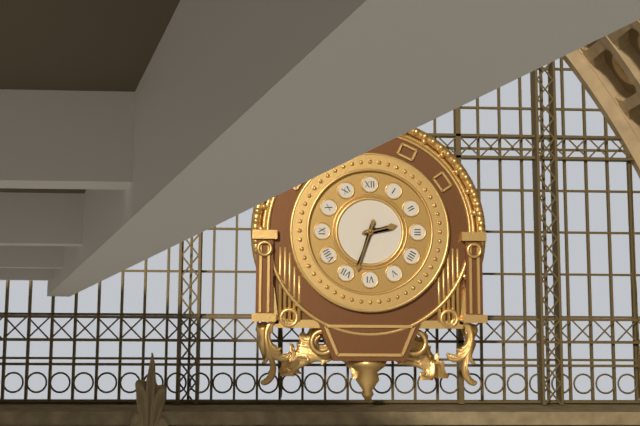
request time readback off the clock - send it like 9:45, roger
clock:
2:33
